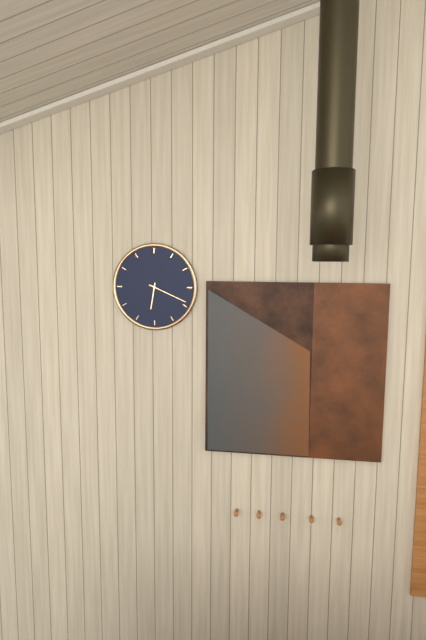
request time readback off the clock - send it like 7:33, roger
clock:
6:19
